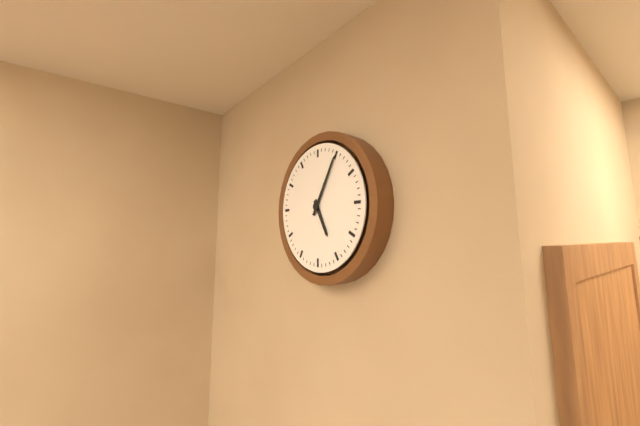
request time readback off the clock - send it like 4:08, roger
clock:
5:05
